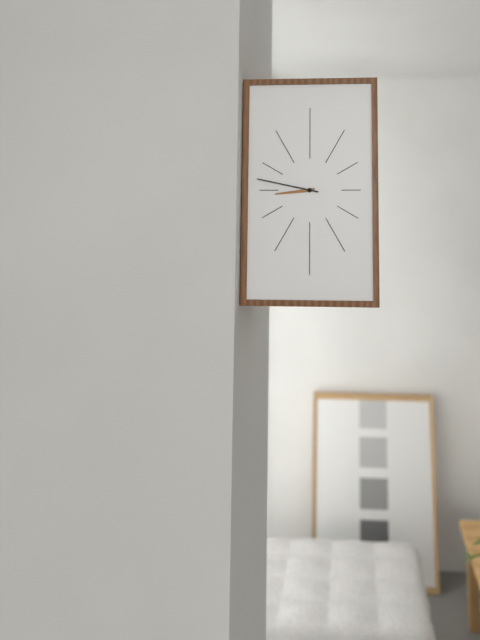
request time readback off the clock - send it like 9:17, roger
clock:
8:47
